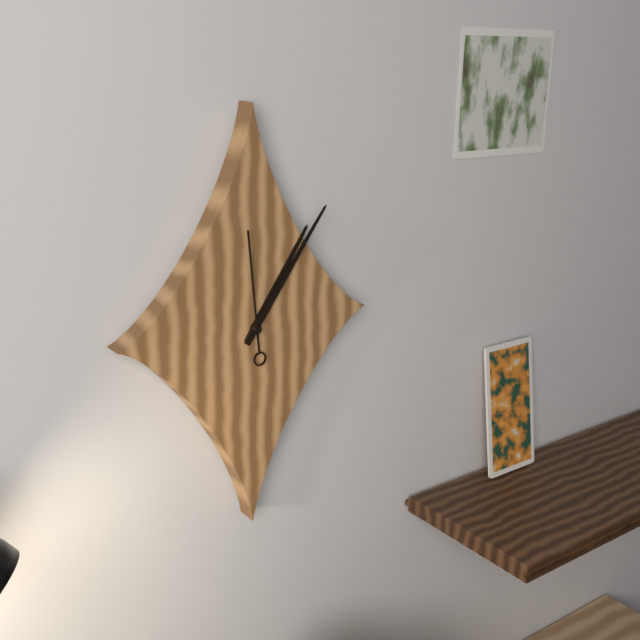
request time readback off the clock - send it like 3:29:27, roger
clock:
1:06:59
